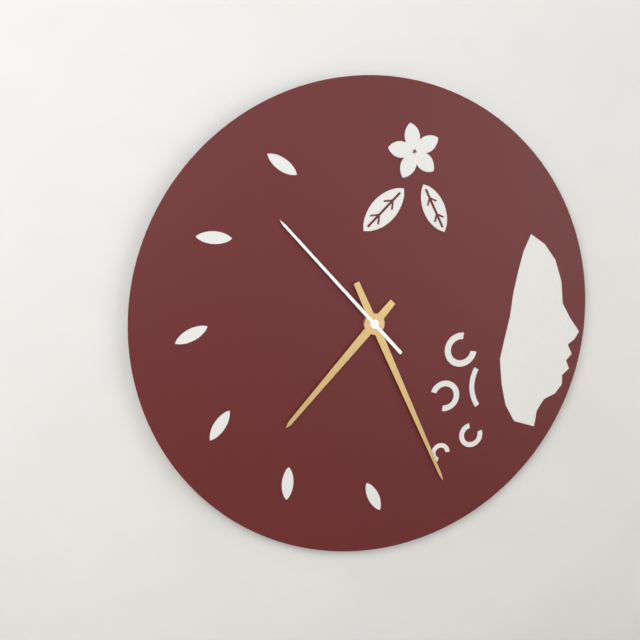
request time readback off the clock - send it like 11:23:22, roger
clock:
7:26:53
